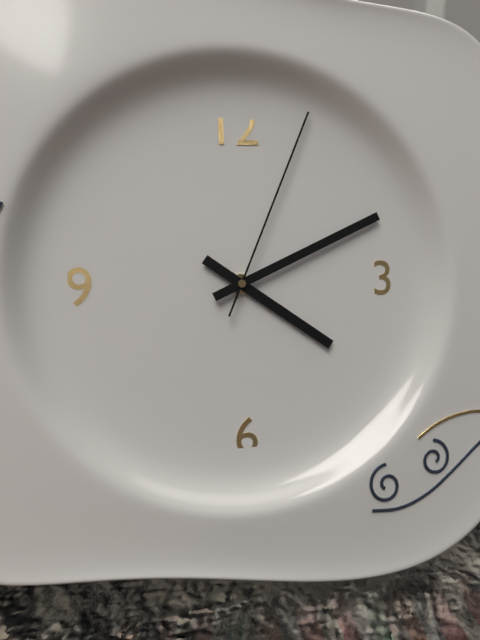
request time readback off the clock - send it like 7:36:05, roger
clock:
4:11:04
